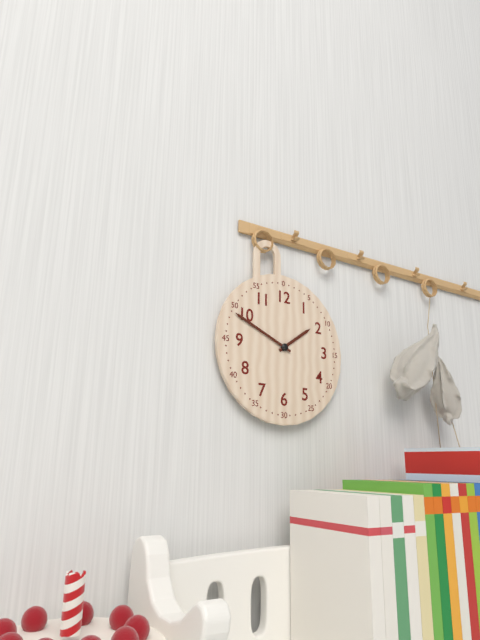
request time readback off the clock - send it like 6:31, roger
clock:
1:49
